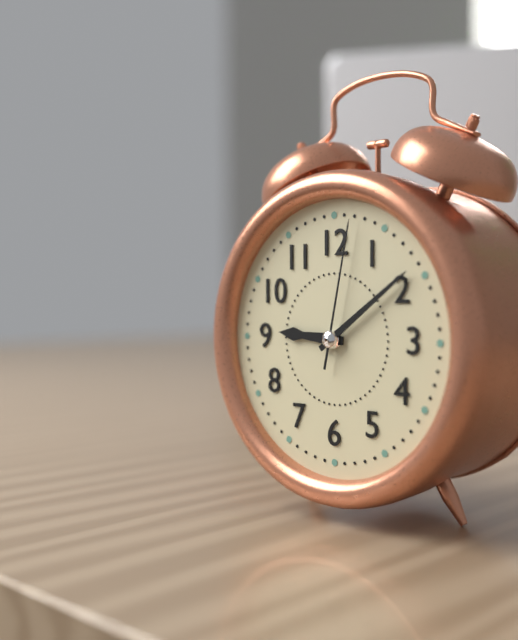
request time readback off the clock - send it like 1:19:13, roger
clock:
9:09:02
